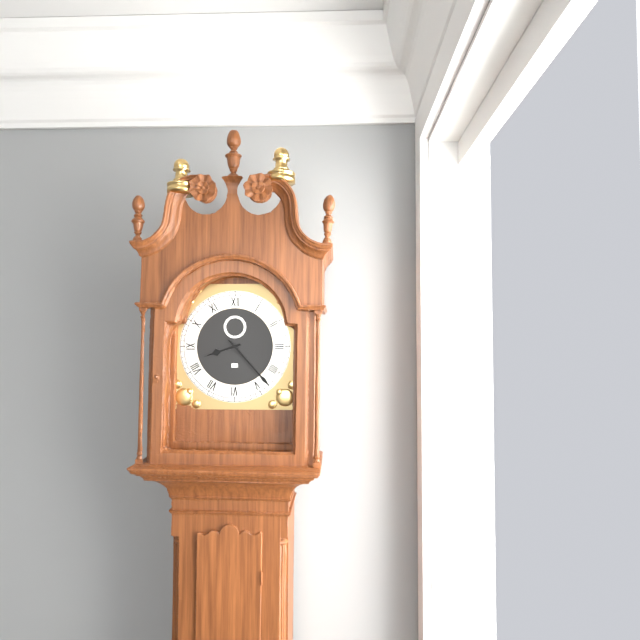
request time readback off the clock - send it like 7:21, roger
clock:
8:23
